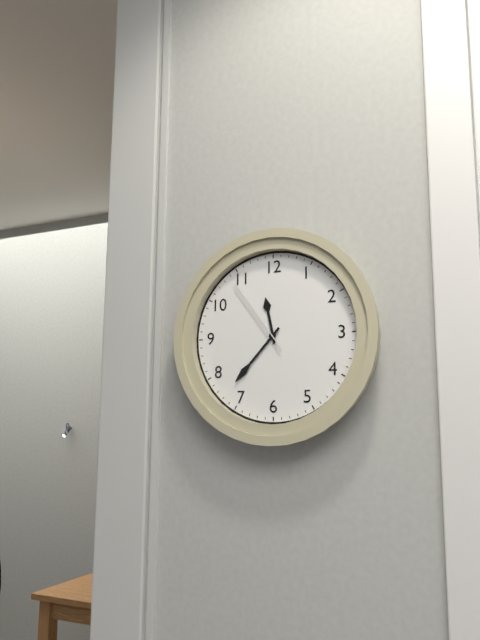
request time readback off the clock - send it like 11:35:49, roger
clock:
11:37:54
